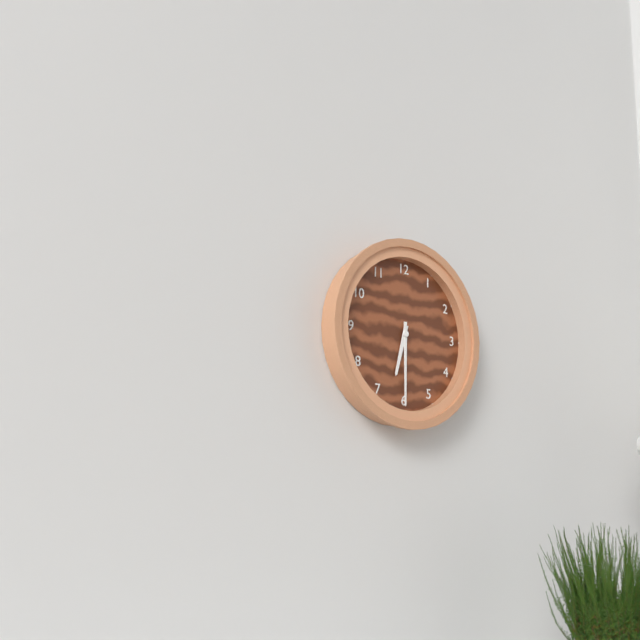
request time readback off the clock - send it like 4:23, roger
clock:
6:30
